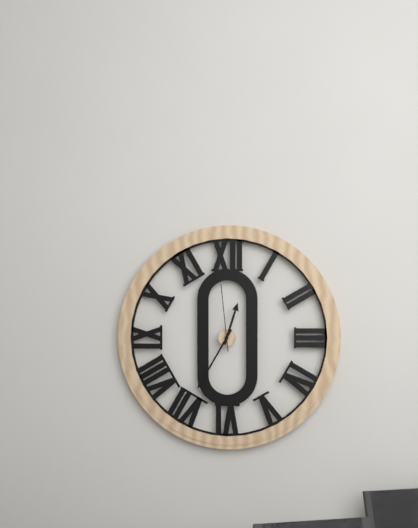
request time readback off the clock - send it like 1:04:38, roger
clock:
12:35:59
